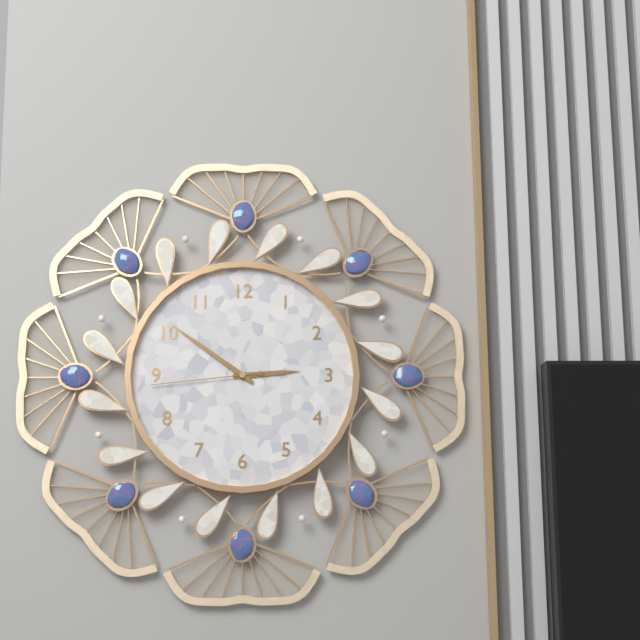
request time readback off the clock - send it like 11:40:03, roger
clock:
2:51:44
